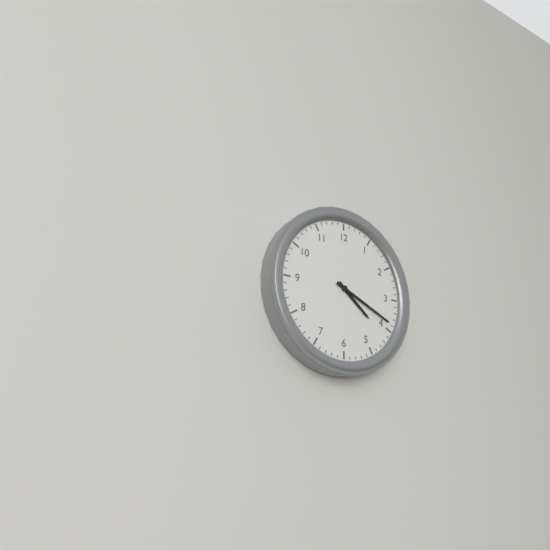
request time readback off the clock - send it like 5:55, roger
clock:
4:19
